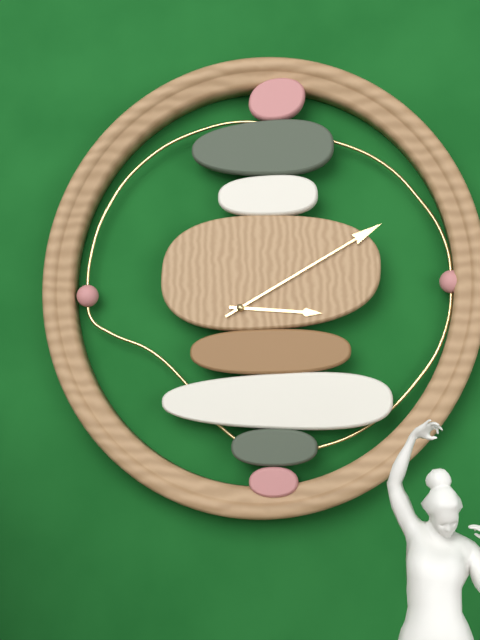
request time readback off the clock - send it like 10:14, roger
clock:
3:10
